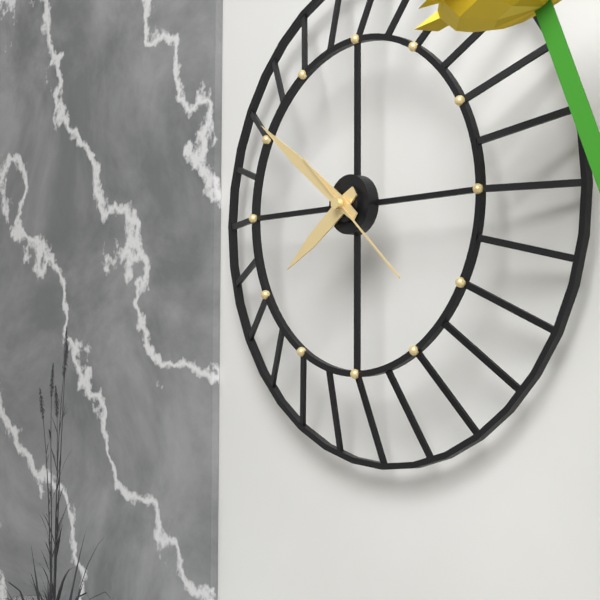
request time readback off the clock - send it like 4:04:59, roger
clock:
7:51:22
